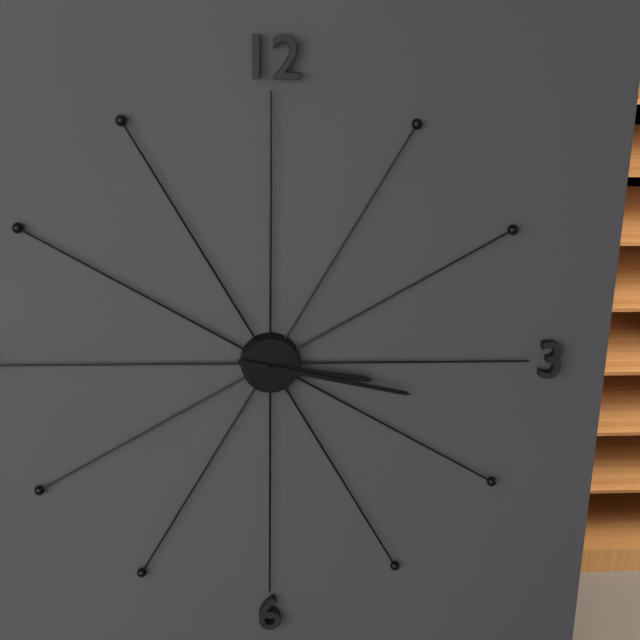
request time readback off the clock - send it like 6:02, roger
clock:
3:17
